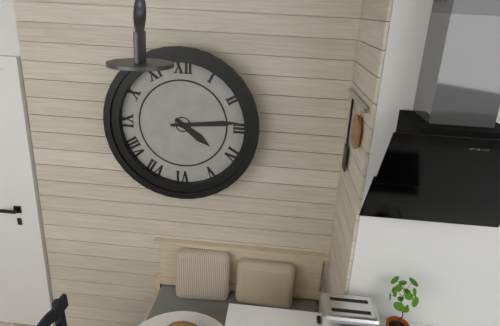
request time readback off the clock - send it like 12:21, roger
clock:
4:14
